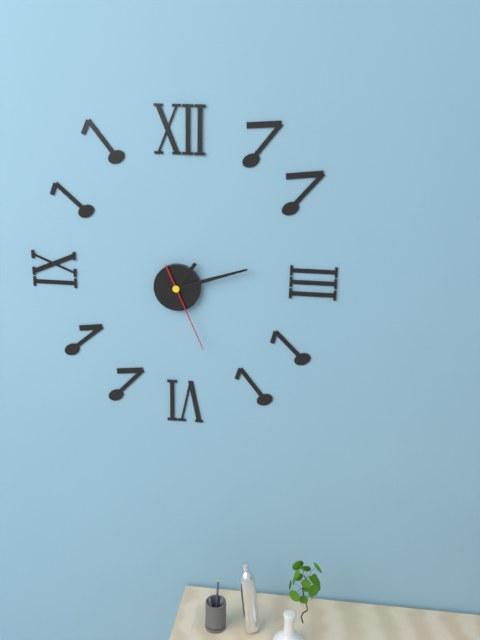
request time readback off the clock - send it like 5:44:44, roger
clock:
1:12:26
